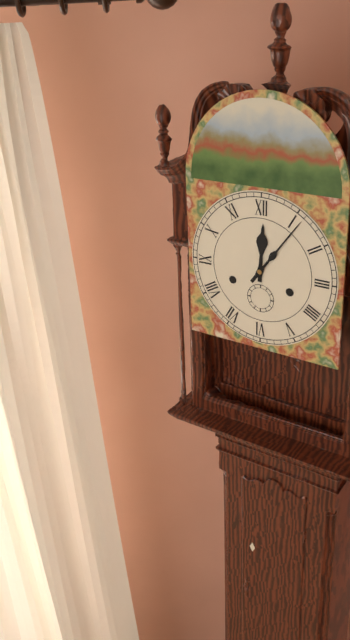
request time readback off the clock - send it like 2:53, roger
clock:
12:06
